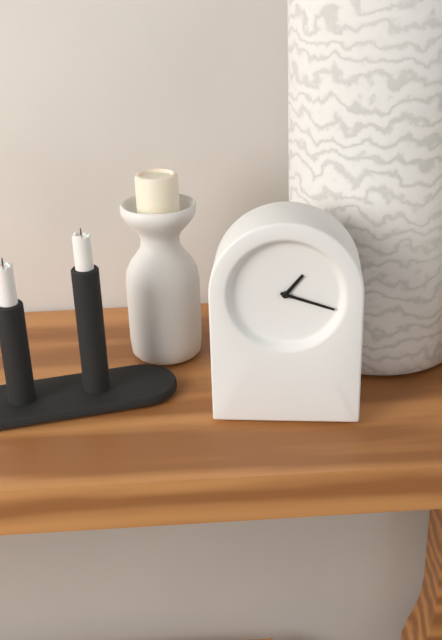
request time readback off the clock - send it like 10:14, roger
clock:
1:18
